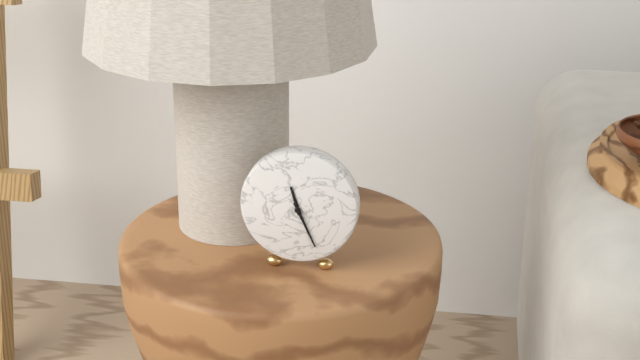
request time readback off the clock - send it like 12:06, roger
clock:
11:26
